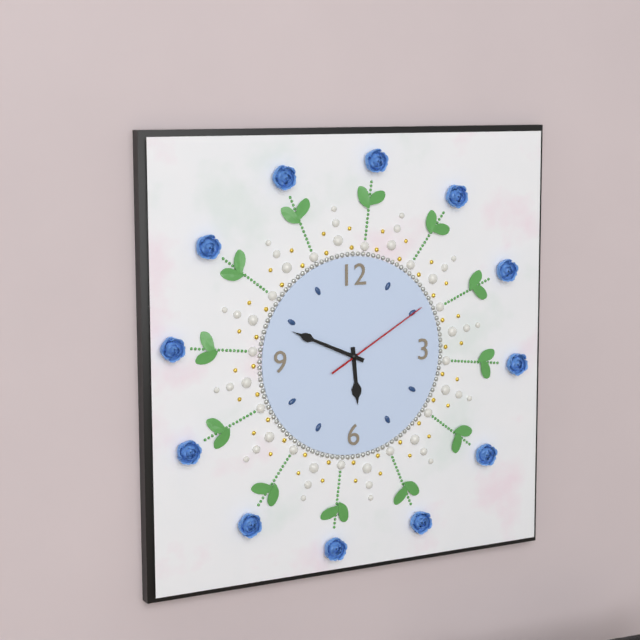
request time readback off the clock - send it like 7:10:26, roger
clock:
5:49:10
